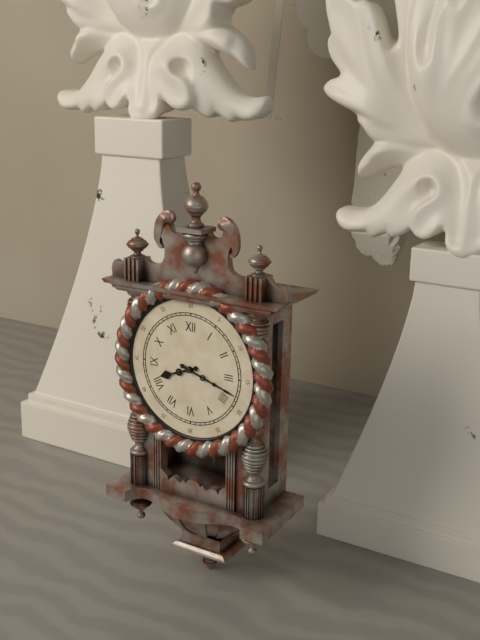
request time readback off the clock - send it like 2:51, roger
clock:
8:18
